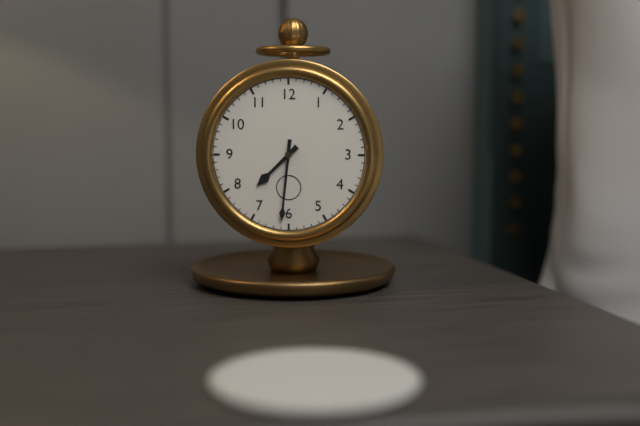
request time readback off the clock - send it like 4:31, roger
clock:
7:31
